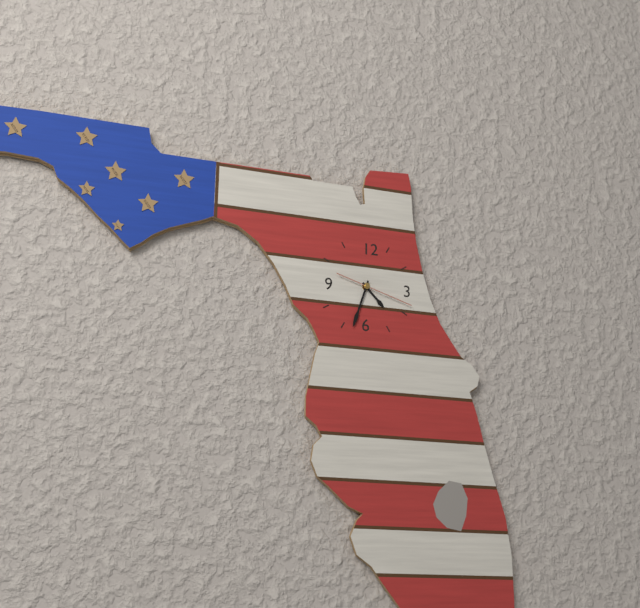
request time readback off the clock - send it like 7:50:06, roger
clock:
4:33:18
